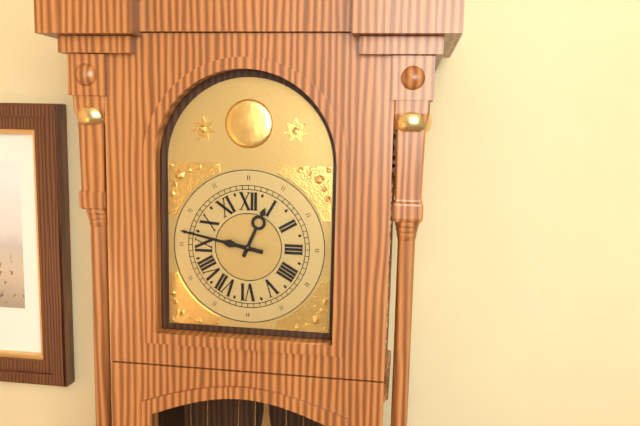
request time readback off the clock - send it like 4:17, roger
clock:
12:47
